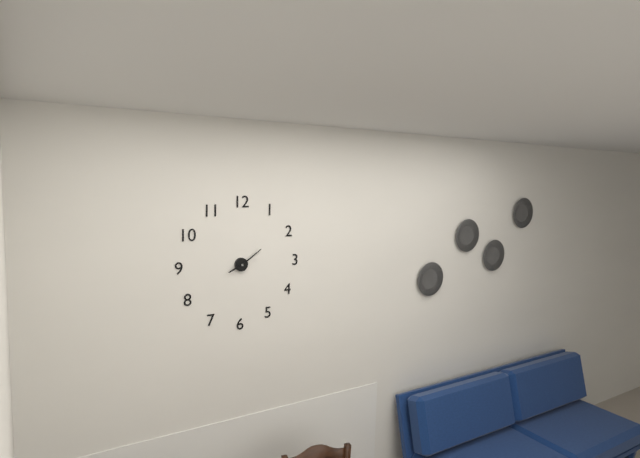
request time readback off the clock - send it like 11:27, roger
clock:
8:09
